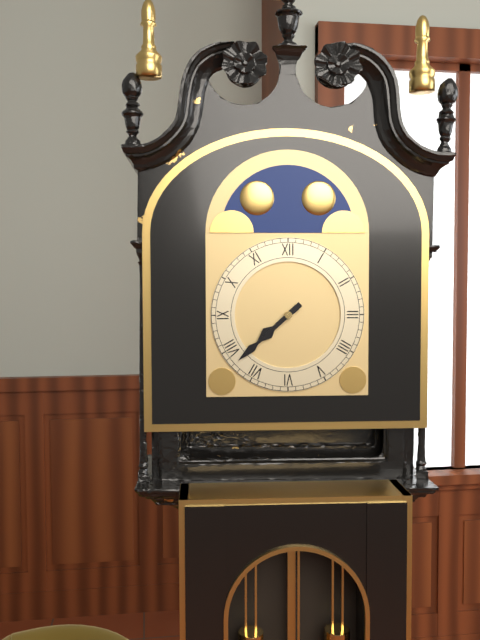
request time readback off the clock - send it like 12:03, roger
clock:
7:38
